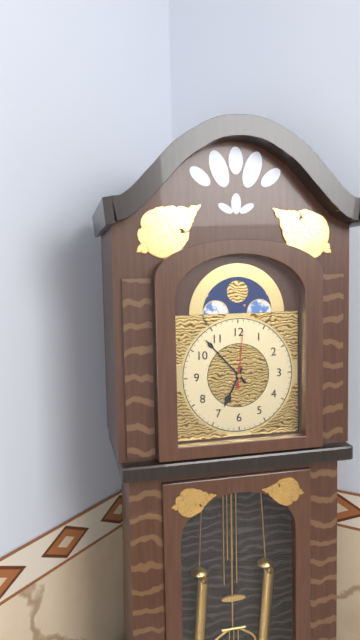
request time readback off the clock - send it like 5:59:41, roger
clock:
6:53:01
